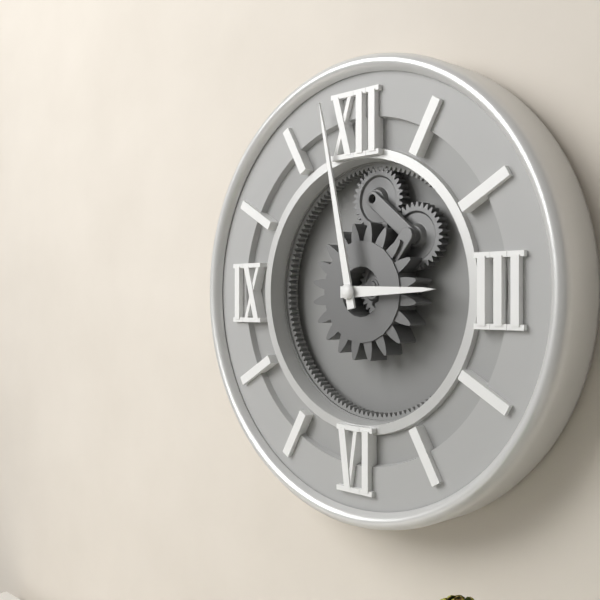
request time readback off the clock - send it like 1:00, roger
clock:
2:58
